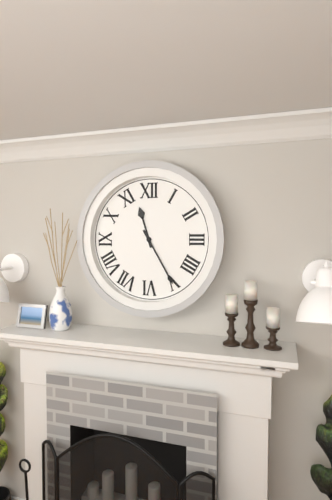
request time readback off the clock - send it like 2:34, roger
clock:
11:25
